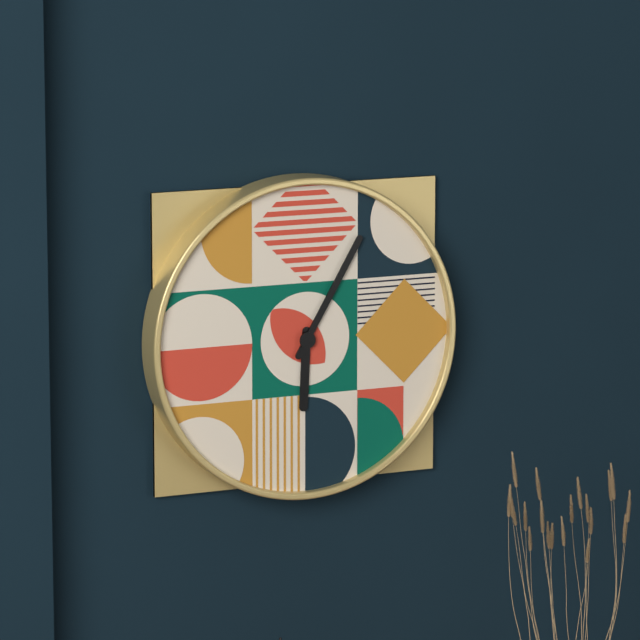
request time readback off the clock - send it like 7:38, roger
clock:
6:05
